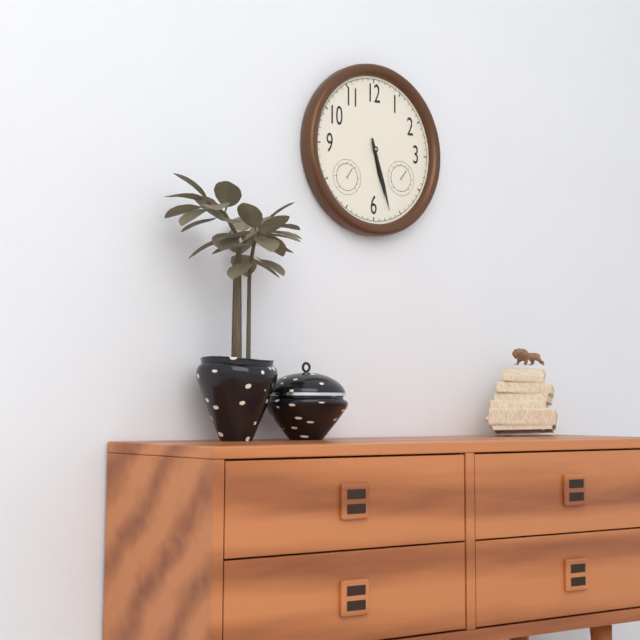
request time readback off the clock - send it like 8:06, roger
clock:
5:27
